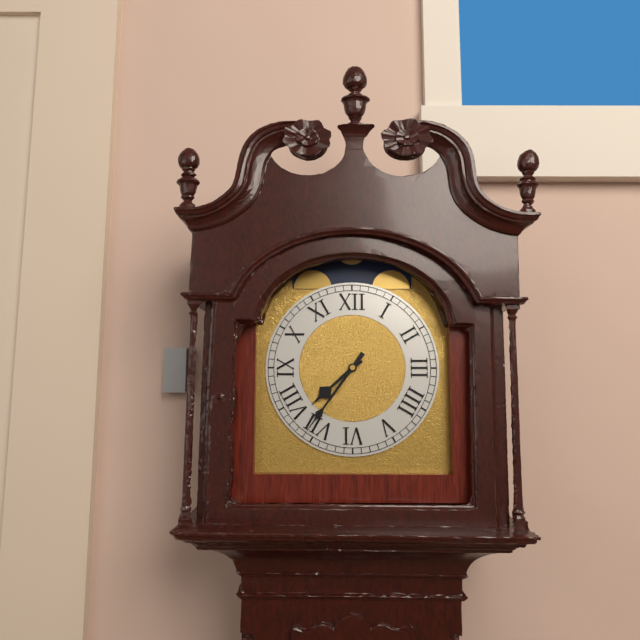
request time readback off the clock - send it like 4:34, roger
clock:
7:36
